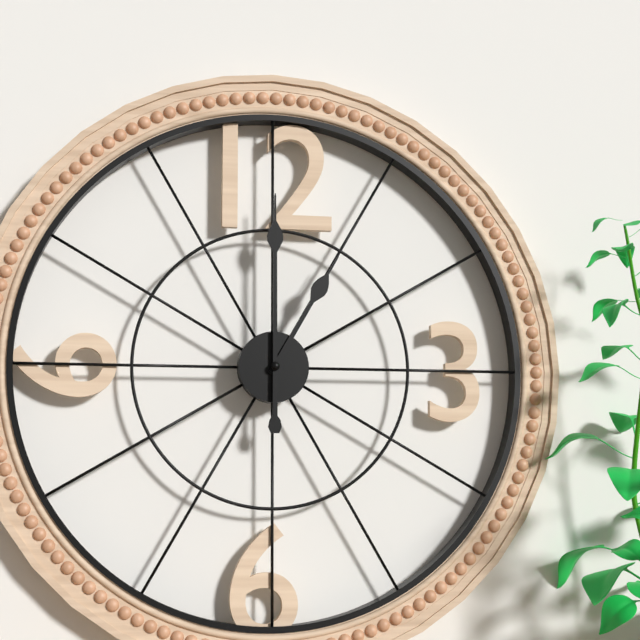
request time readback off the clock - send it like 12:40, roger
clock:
1:00
